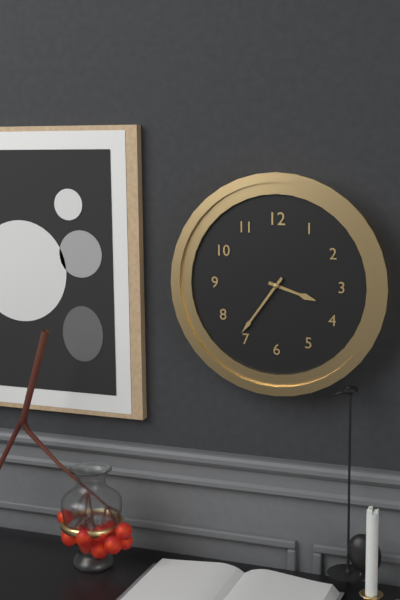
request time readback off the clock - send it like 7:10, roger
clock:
3:36
